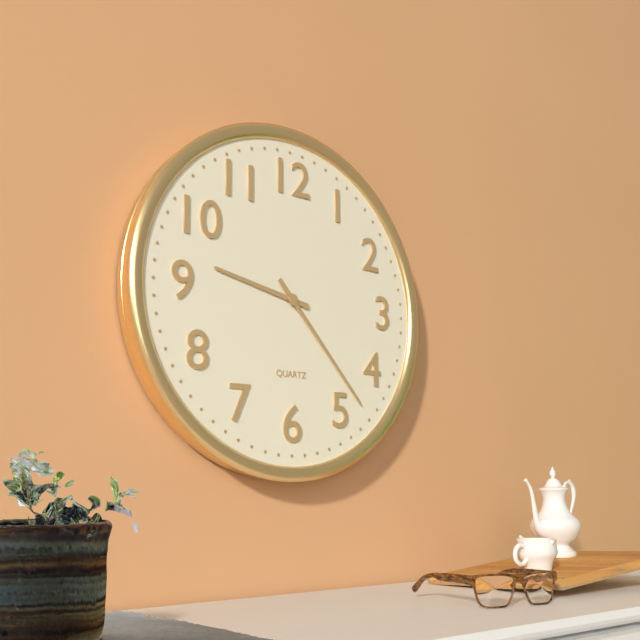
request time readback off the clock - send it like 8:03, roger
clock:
9:23
